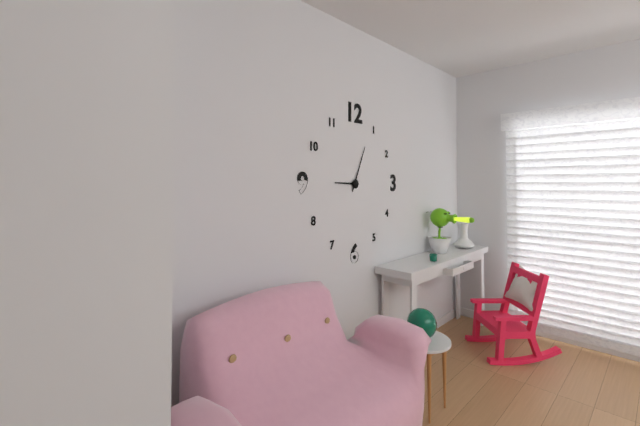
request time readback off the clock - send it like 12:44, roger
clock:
9:04
